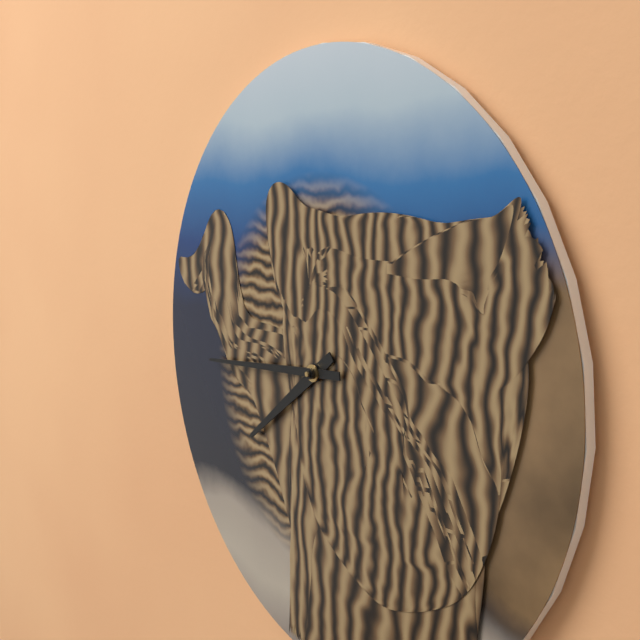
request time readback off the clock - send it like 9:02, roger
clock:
7:44
